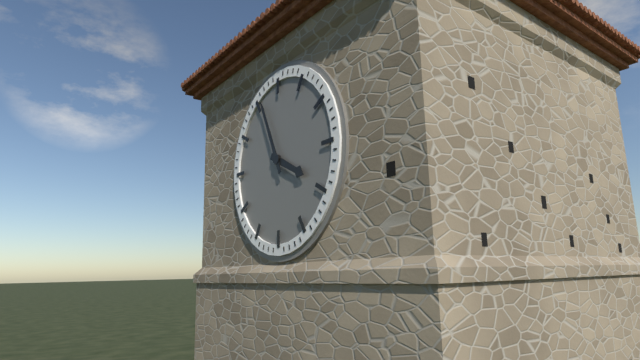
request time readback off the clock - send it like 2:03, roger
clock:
3:56
